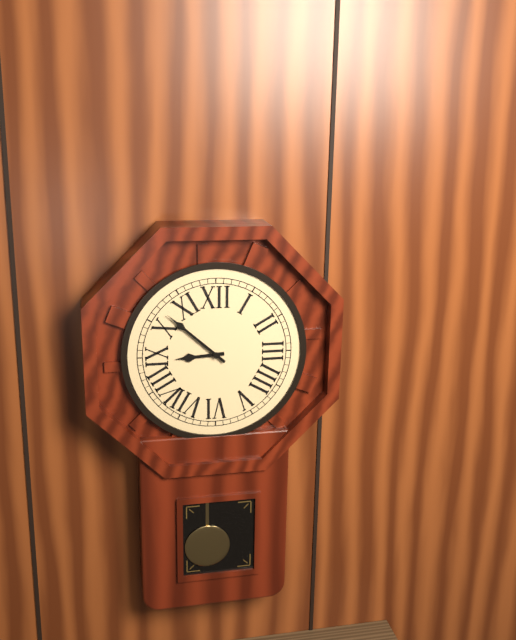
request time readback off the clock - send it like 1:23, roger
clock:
8:52
